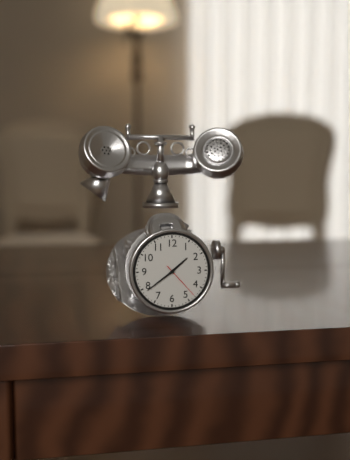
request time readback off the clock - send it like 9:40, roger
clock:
1:39
